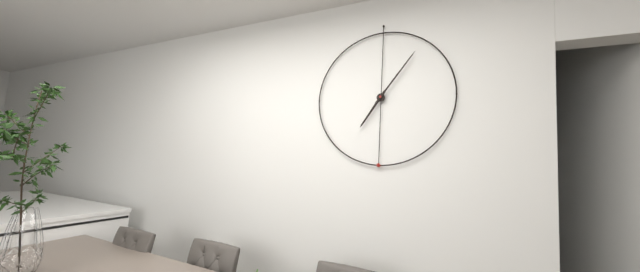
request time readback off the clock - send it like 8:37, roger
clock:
7:06
